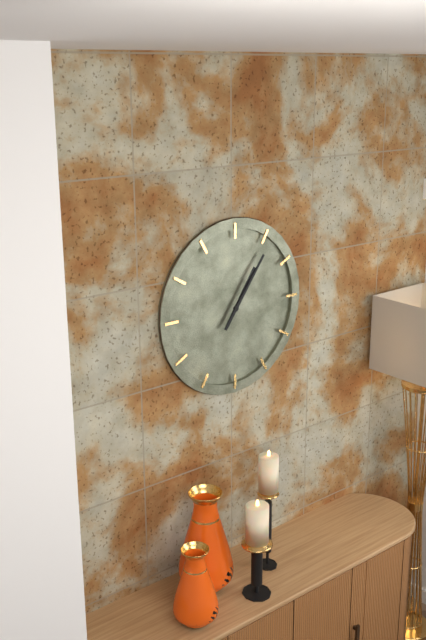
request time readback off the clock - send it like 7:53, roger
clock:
1:06
